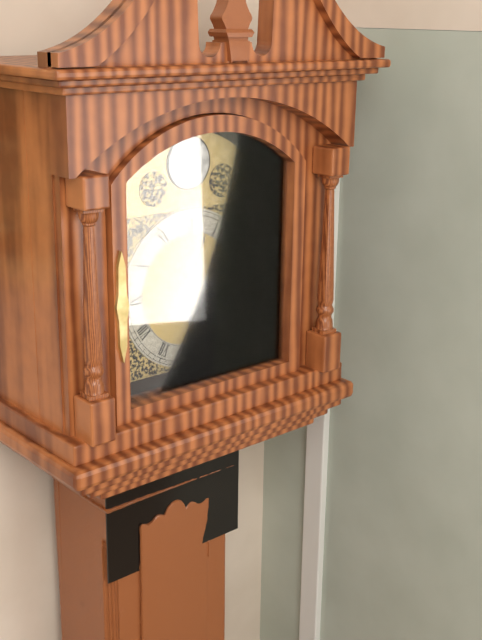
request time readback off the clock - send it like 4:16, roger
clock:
6:03
